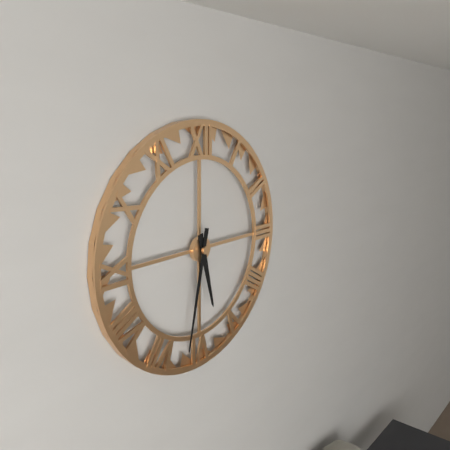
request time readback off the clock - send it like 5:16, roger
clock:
5:32
